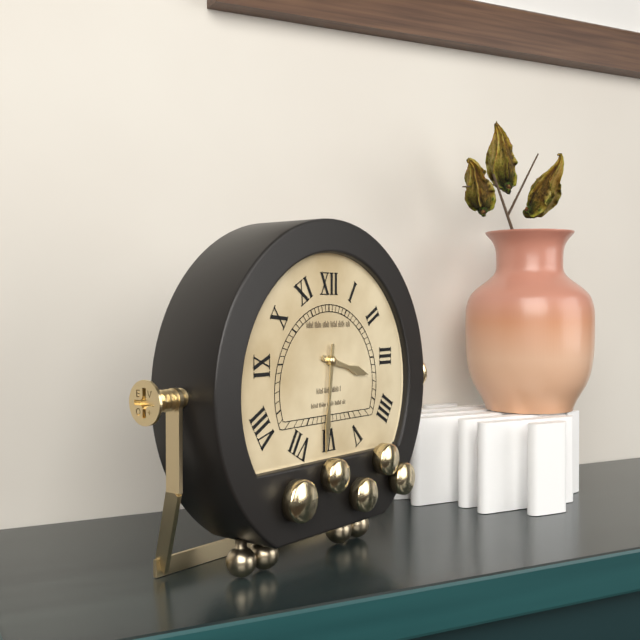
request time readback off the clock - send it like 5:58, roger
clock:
3:31
